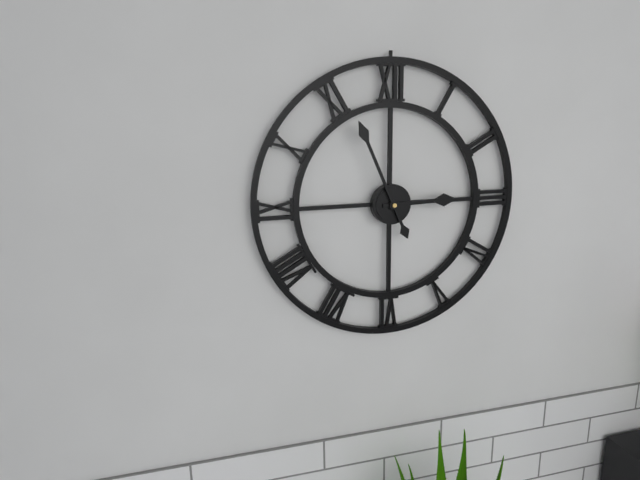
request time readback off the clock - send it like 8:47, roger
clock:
2:56
